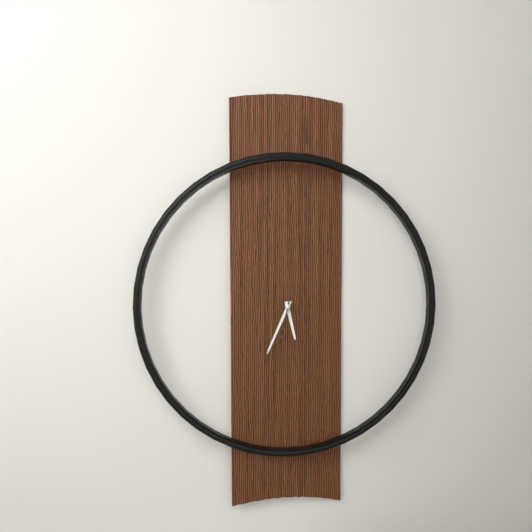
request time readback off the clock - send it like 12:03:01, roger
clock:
5:34:32
